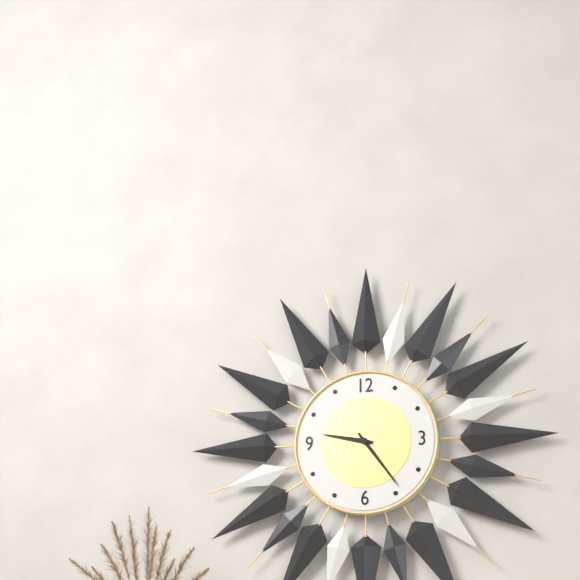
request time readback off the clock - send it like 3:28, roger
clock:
9:24
